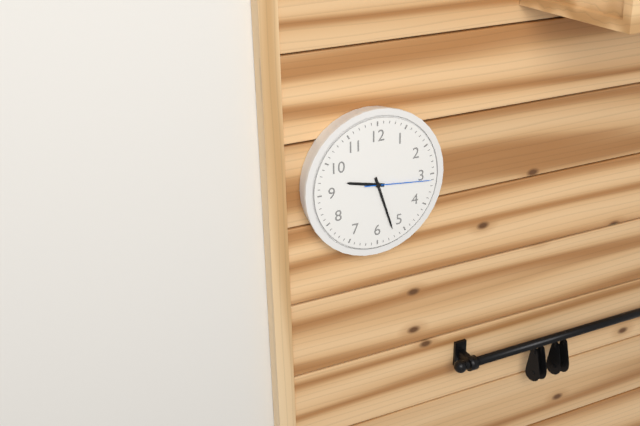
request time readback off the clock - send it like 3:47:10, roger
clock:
9:27:16
